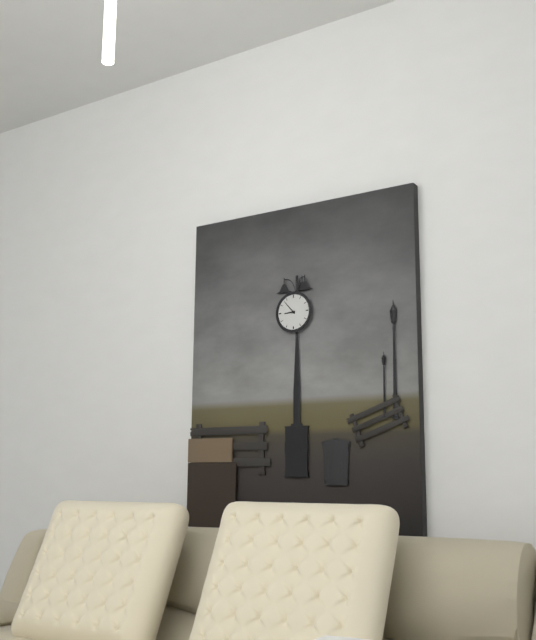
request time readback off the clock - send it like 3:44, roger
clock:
8:53
